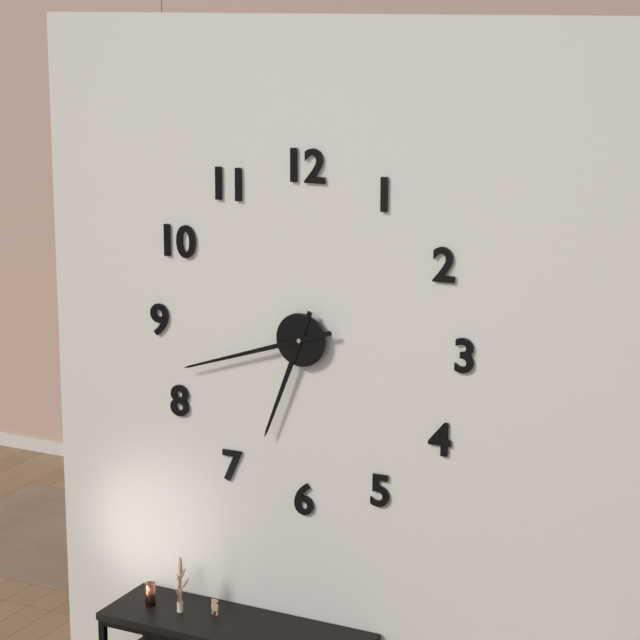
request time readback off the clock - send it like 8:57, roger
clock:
6:42
